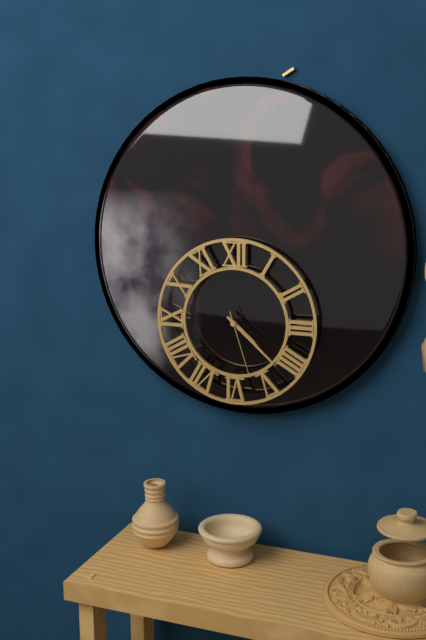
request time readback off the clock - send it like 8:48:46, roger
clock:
4:22:27
